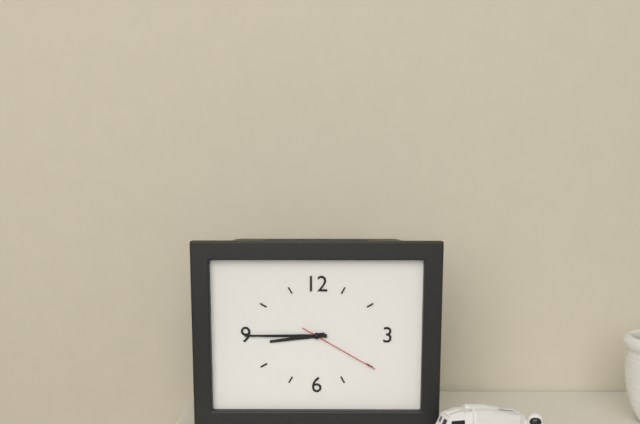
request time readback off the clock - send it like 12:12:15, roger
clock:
8:45:20
